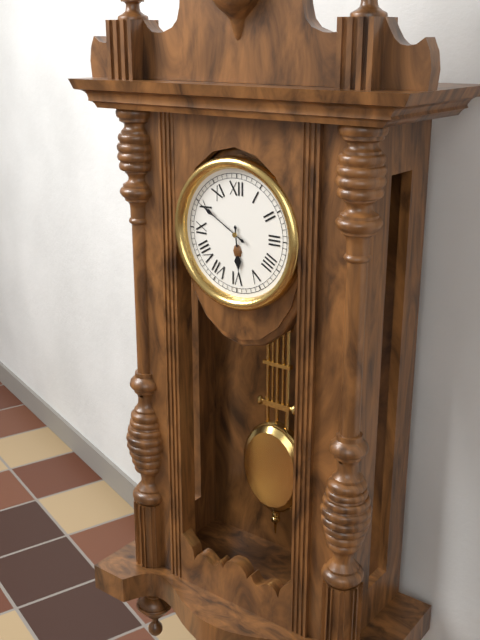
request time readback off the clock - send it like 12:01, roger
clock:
5:50
